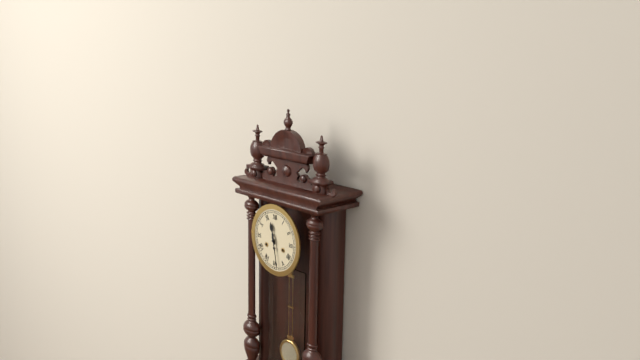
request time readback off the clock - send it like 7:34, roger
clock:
11:28
